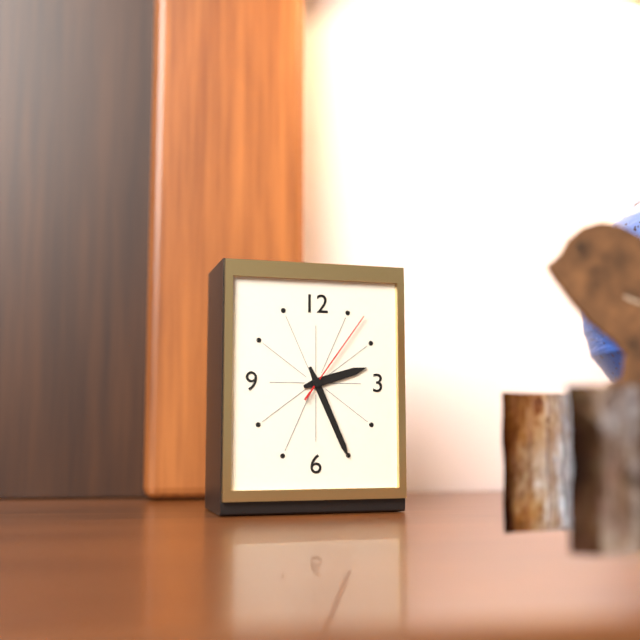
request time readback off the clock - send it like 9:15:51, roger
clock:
2:26:06
